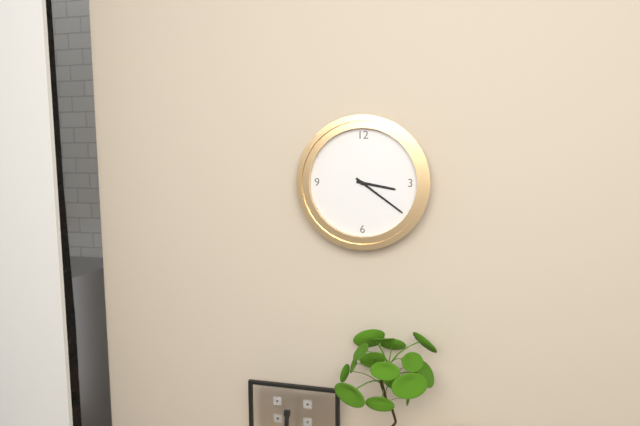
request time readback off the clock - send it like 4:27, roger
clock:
3:21
